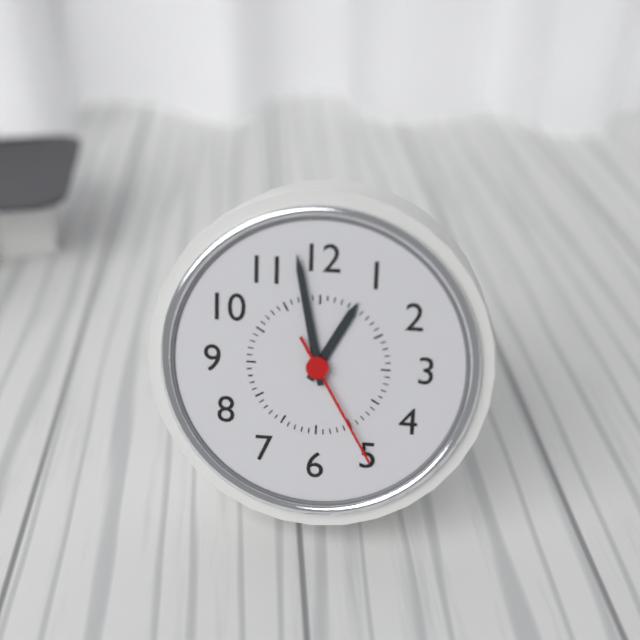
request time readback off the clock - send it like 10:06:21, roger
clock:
12:58:25
